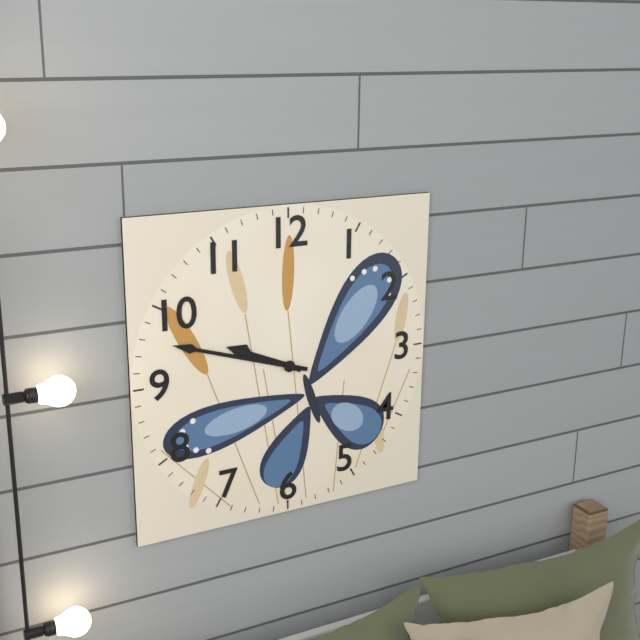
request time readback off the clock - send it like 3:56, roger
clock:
9:48
